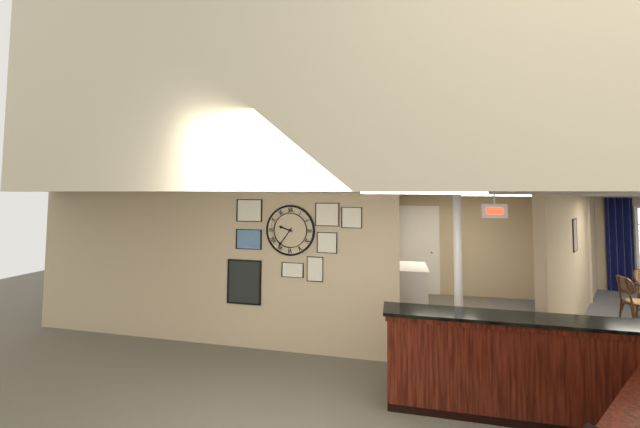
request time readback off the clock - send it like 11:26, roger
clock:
9:36
